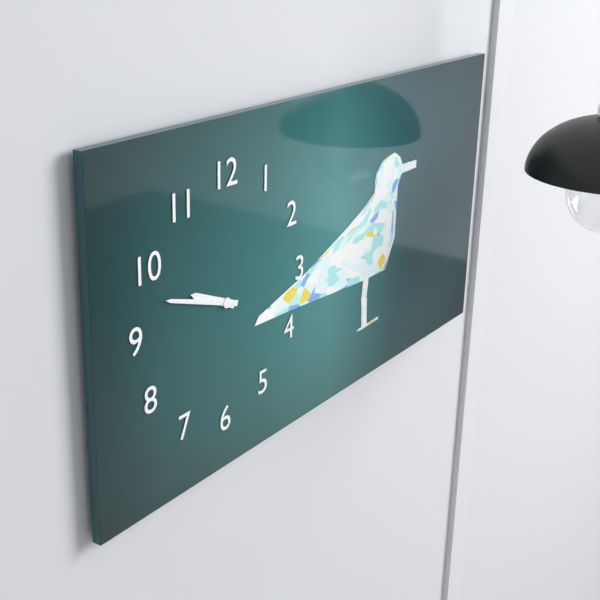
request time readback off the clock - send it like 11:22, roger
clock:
9:48
